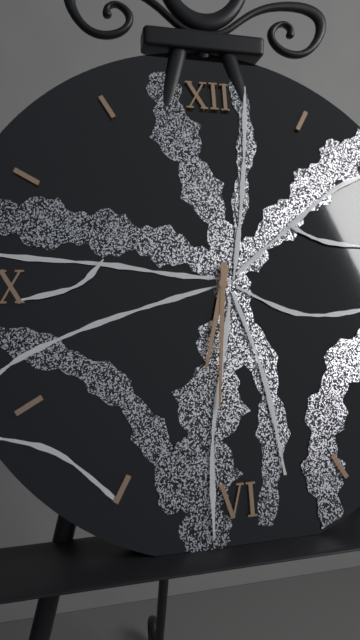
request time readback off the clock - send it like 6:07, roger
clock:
6:31
